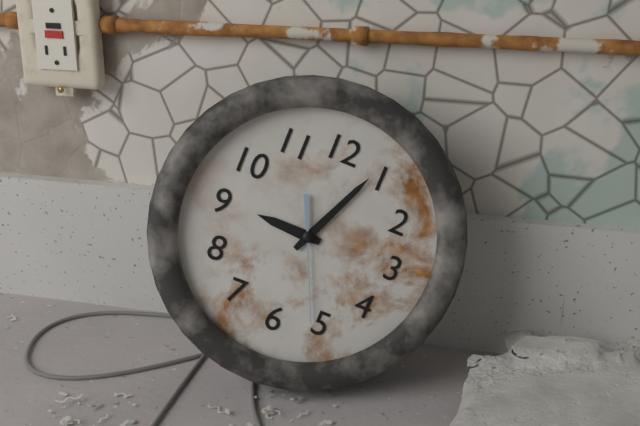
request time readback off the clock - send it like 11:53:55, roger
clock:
9:04:26
